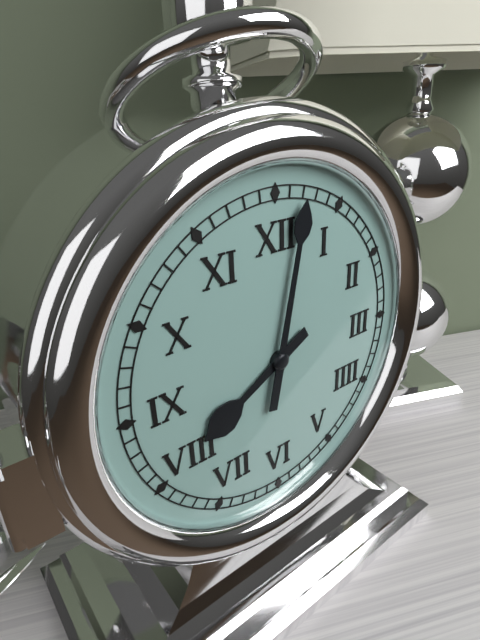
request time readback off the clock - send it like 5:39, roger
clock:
8:02
